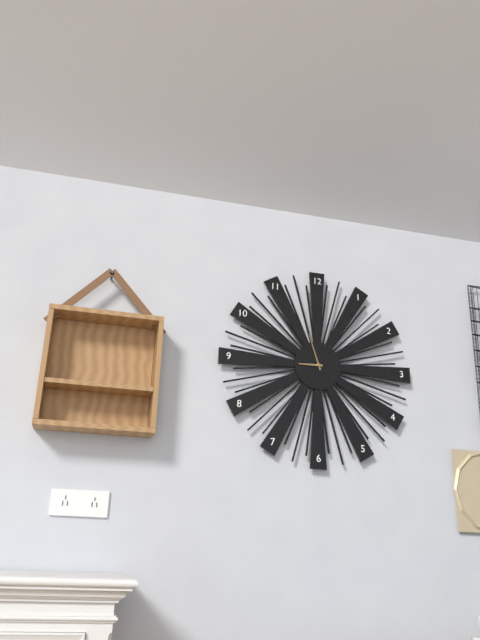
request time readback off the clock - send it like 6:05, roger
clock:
8:57
